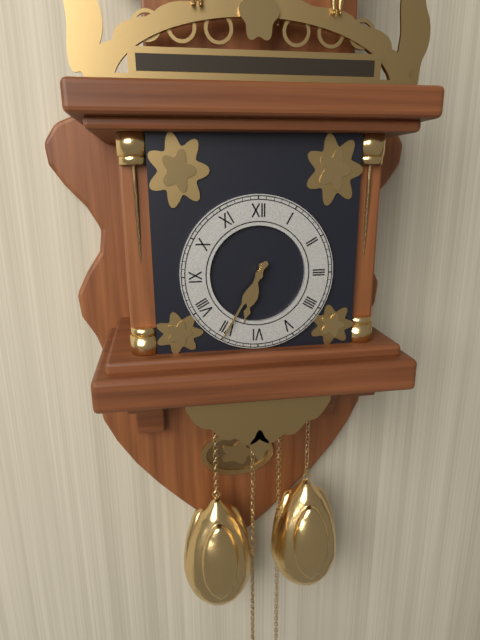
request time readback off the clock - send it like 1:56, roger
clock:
6:35
